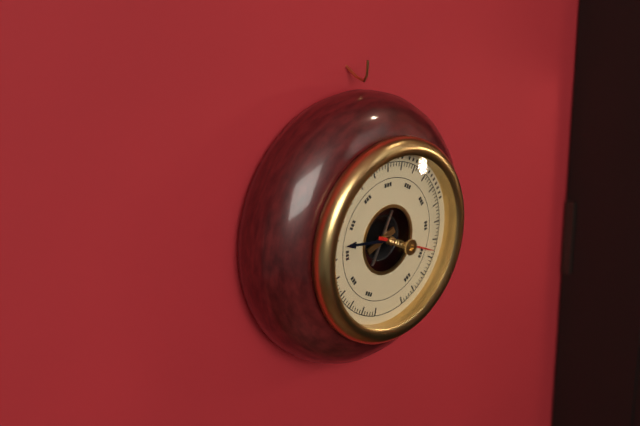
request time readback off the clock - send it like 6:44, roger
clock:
9:19
